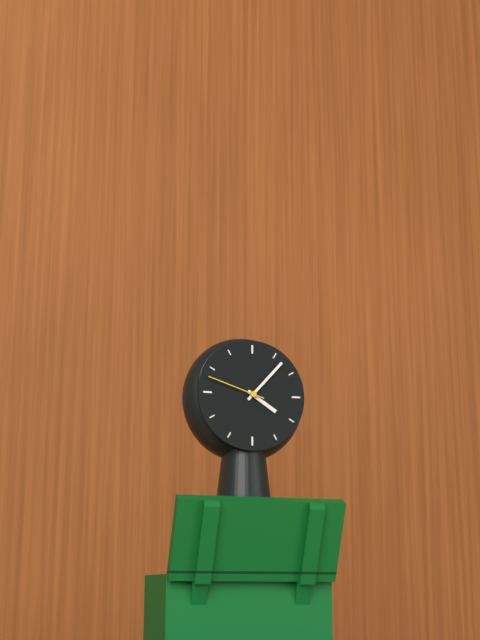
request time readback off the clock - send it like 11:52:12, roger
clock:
4:07:48
